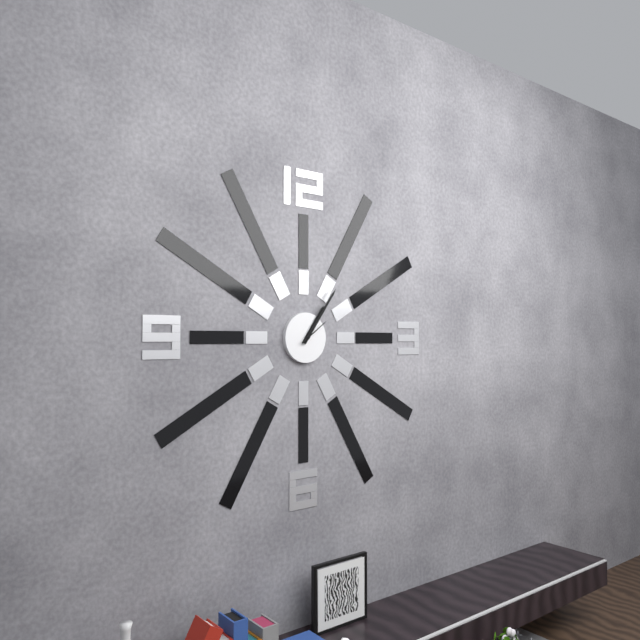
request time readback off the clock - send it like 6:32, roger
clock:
1:06
